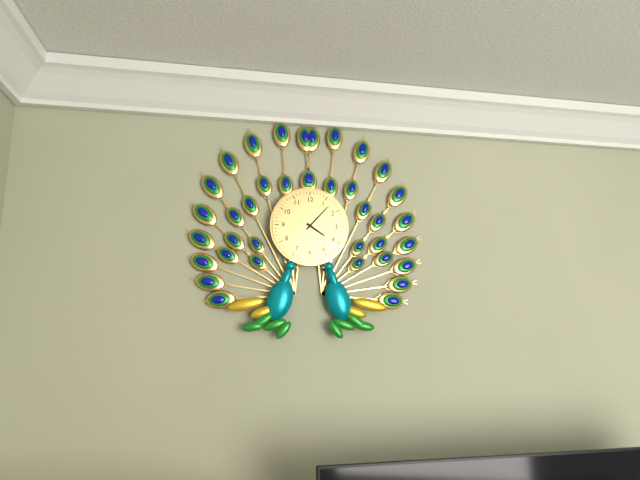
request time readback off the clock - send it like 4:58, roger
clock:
4:07
